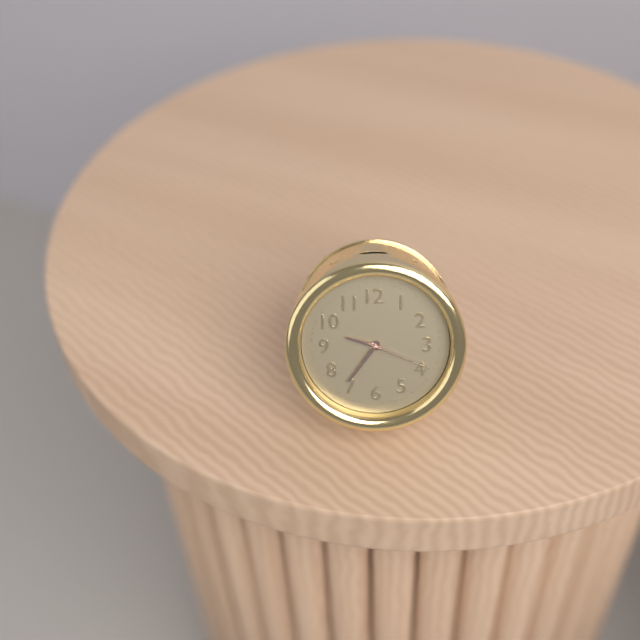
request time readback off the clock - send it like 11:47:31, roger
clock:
9:36:19
